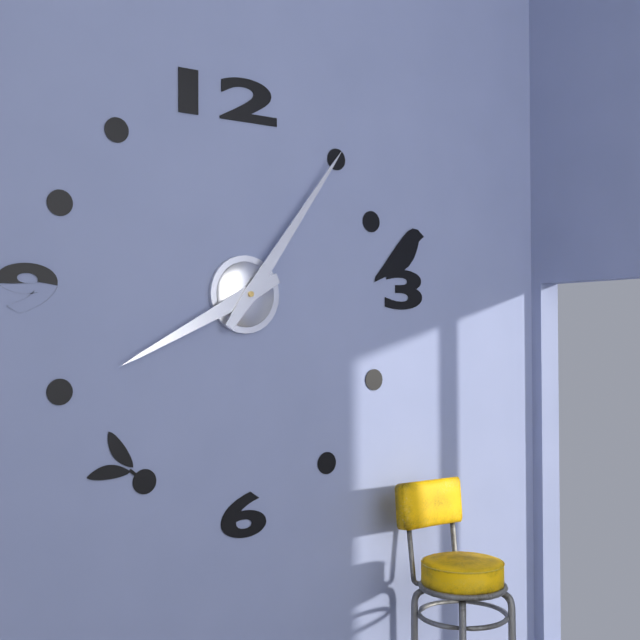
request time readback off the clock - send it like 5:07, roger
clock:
8:06
